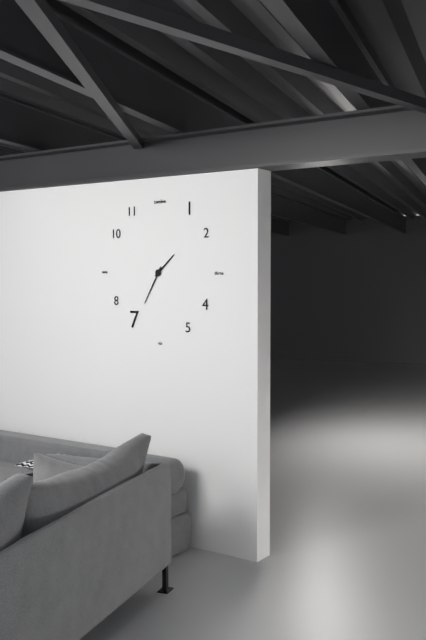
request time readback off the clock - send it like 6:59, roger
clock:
1:35
